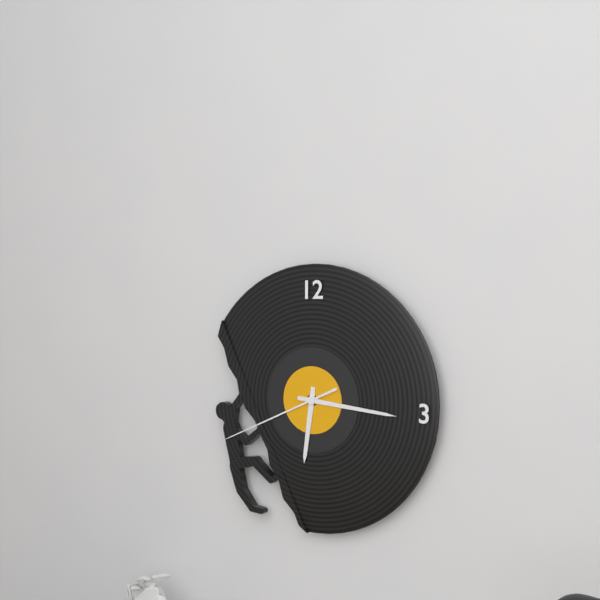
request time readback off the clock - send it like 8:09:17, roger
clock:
6:16:41
